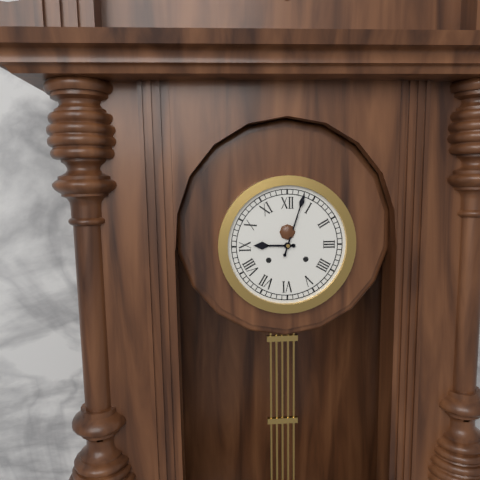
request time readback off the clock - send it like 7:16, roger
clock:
9:03
